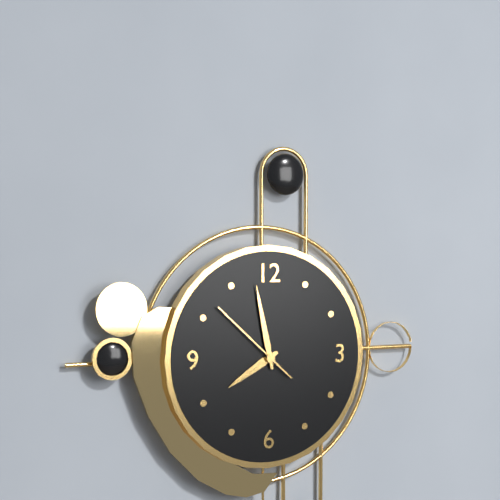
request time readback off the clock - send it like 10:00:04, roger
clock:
7:58:52
